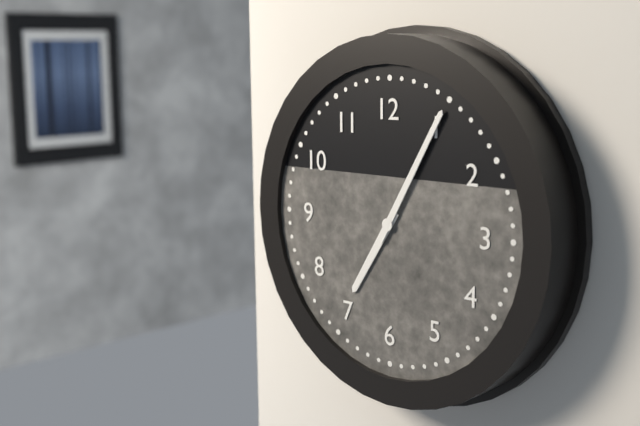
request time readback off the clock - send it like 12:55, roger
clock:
7:05
